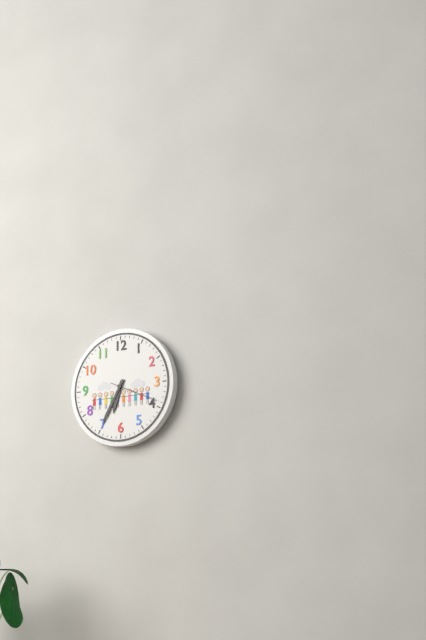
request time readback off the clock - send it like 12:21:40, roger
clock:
6:35:19
